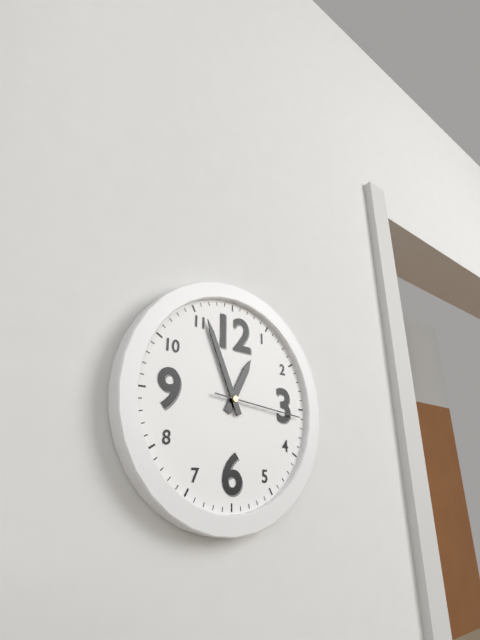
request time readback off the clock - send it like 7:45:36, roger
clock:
12:56:16
